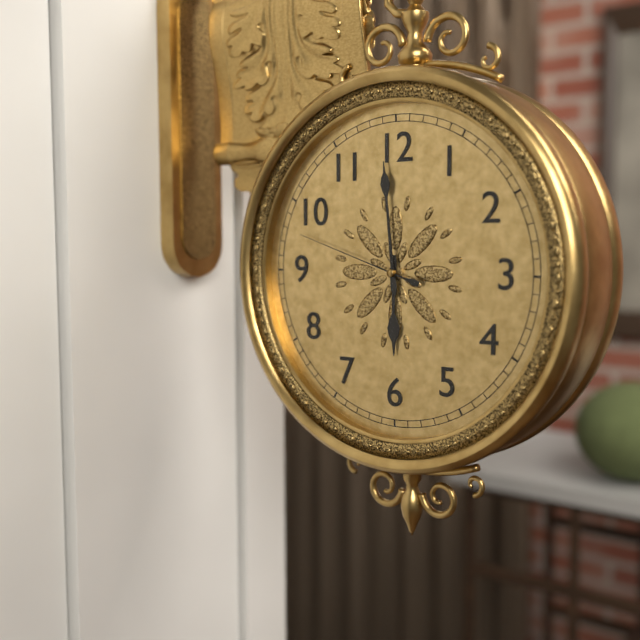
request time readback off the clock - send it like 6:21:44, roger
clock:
5:59:48
